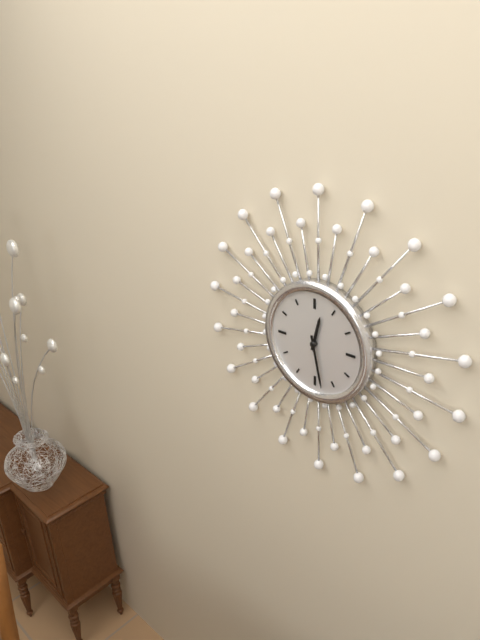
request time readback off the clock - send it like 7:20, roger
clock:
12:28
